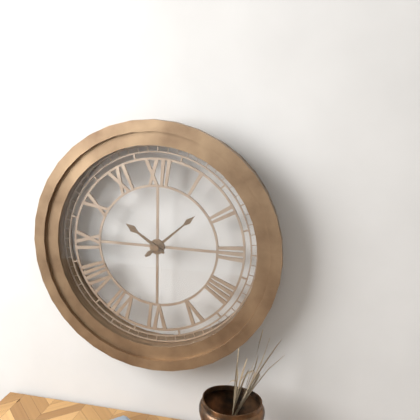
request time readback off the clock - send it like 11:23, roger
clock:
10:08
